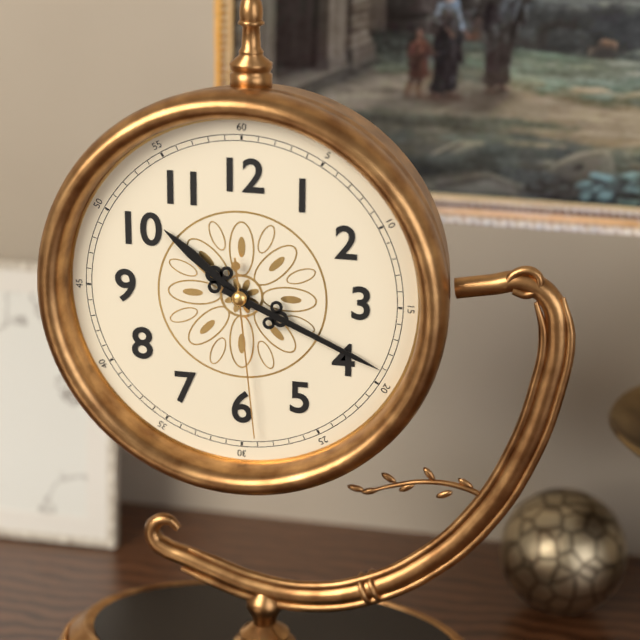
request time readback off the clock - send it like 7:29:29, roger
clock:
10:19:29
